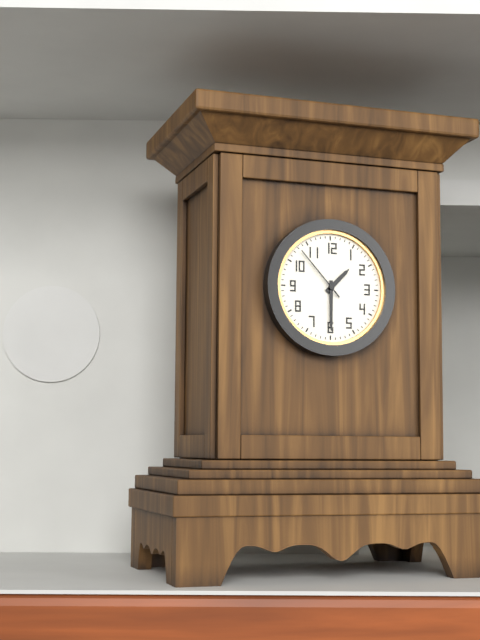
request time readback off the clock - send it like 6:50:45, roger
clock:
1:30:53
